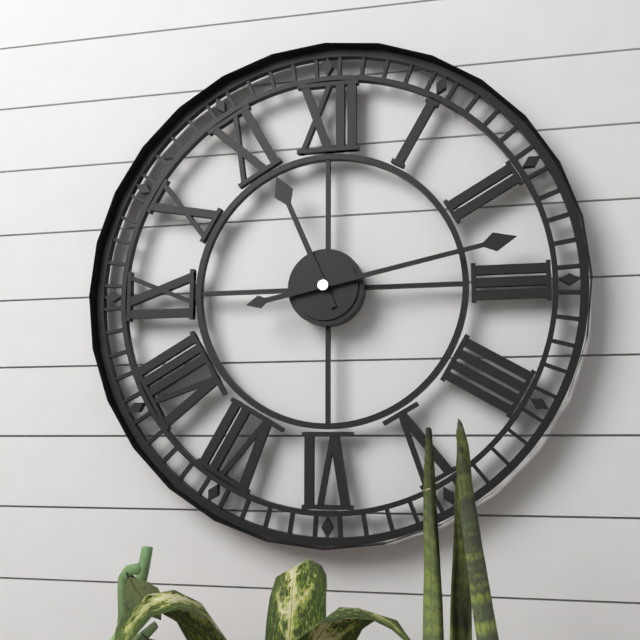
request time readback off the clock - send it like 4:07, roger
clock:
11:13
